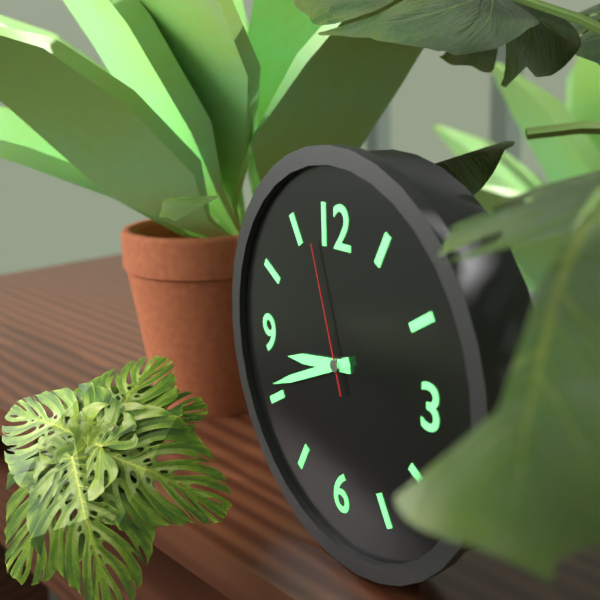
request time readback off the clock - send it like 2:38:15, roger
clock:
8:41:57
